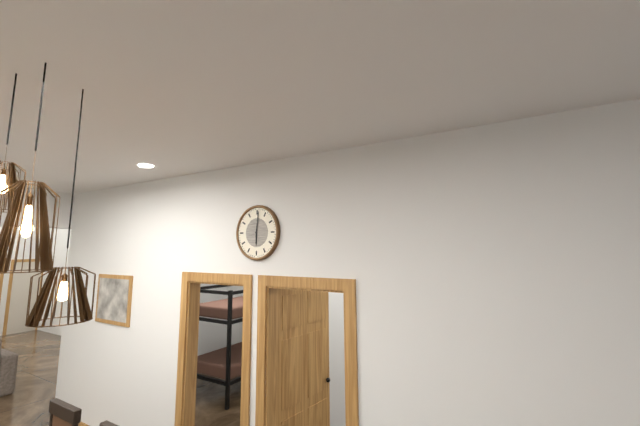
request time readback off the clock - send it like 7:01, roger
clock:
6:01
